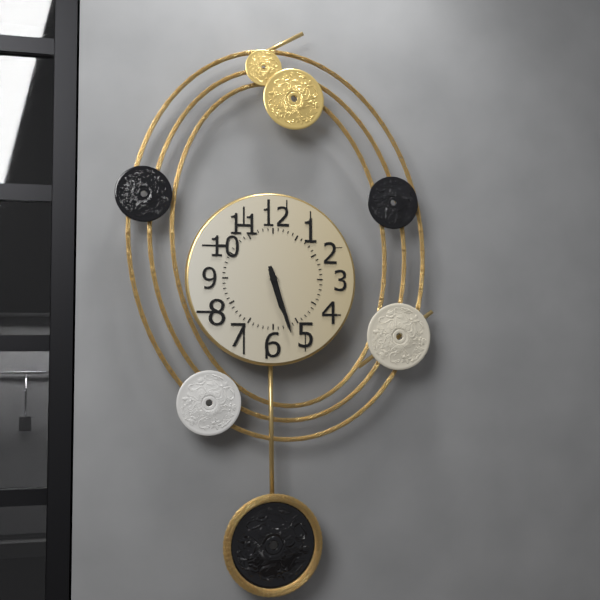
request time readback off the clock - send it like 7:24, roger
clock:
5:27
